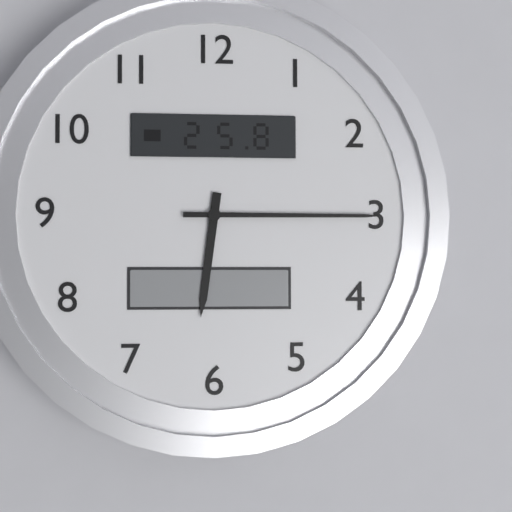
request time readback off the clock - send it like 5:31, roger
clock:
6:15
